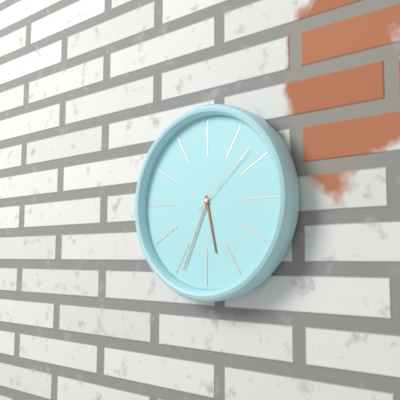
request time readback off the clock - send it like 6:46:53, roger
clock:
5:34:08
